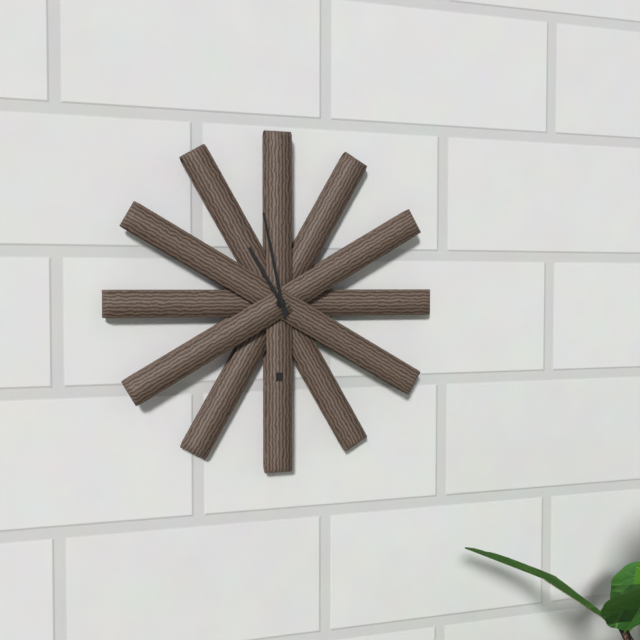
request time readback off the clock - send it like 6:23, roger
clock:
10:58
